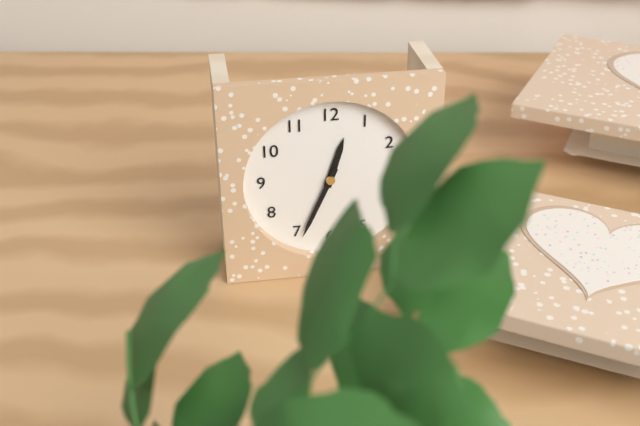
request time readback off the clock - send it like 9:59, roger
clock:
12:34
